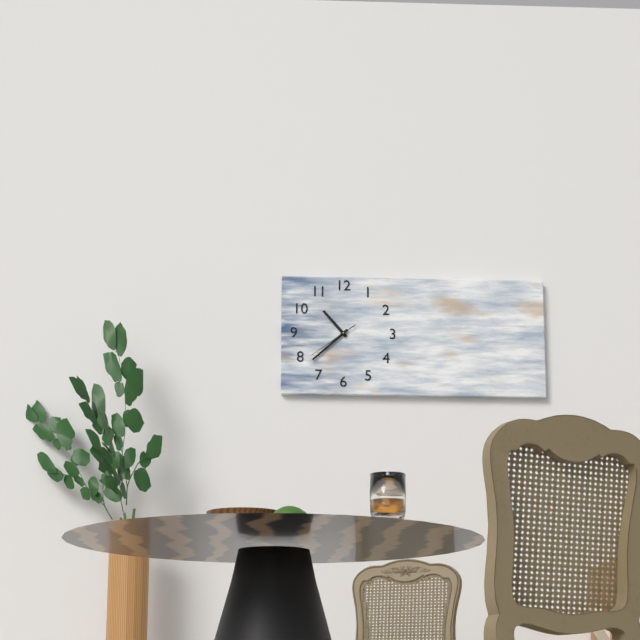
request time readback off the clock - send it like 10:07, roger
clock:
10:38
